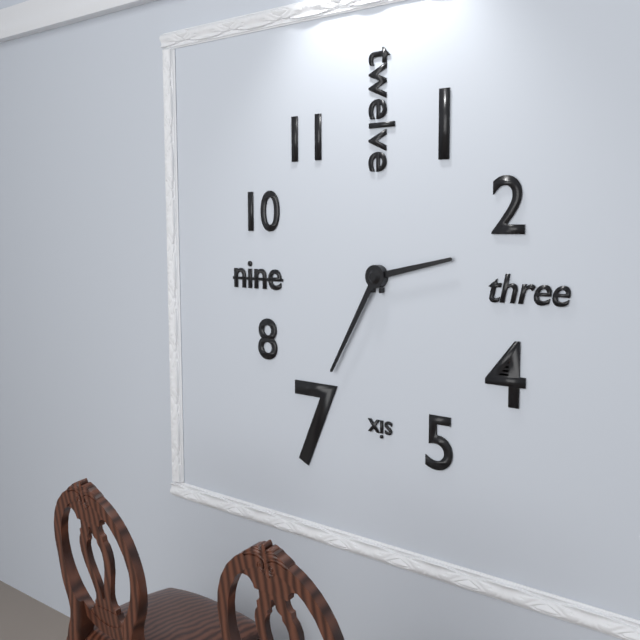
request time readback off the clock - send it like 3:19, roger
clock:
2:35
